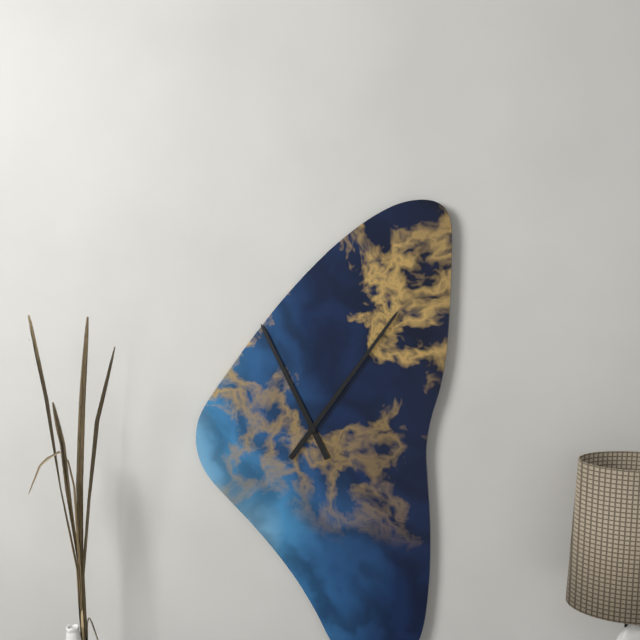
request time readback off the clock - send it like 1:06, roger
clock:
11:06
